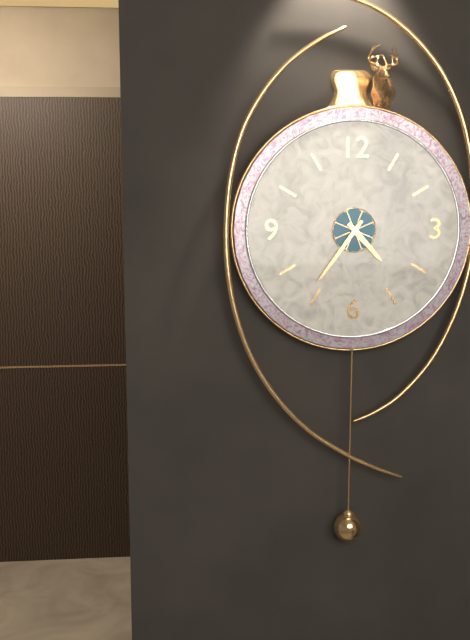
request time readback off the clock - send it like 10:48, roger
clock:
4:36
